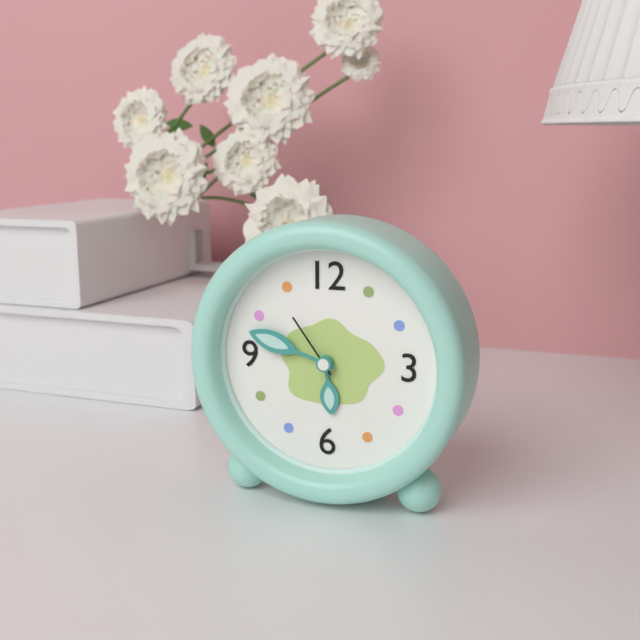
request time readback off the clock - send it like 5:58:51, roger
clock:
5:48:54
